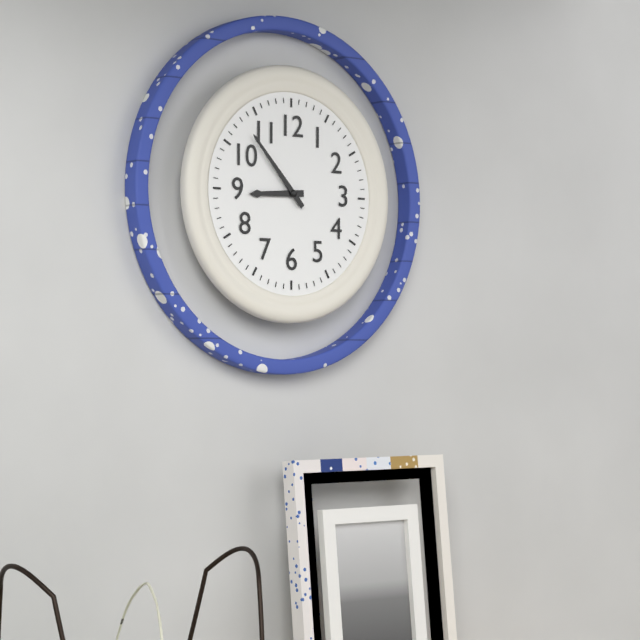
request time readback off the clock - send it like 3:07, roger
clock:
8:53
